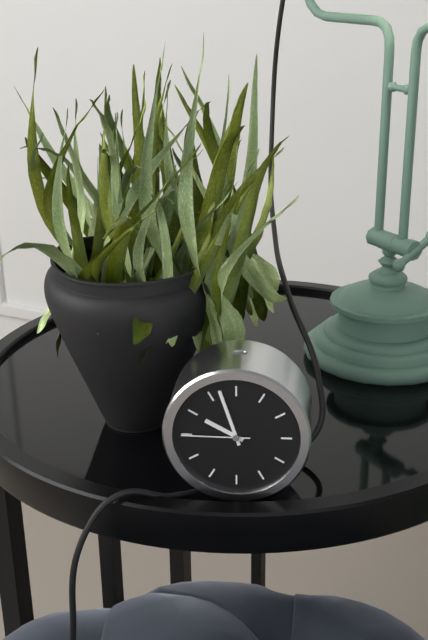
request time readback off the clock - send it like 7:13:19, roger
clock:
9:57:45
